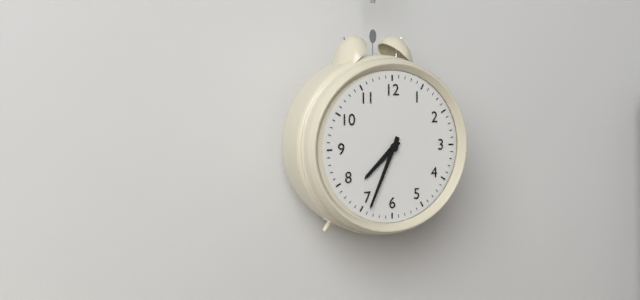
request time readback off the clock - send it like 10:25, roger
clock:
7:34
